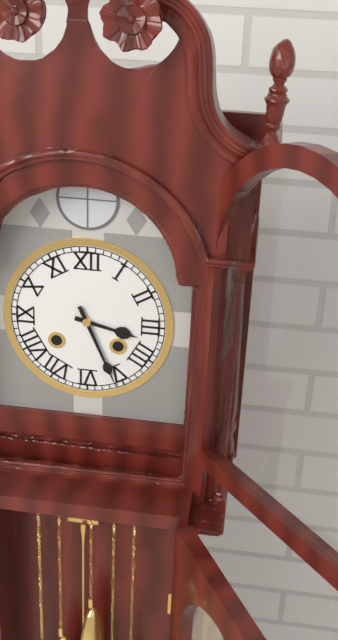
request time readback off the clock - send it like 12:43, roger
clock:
3:26
